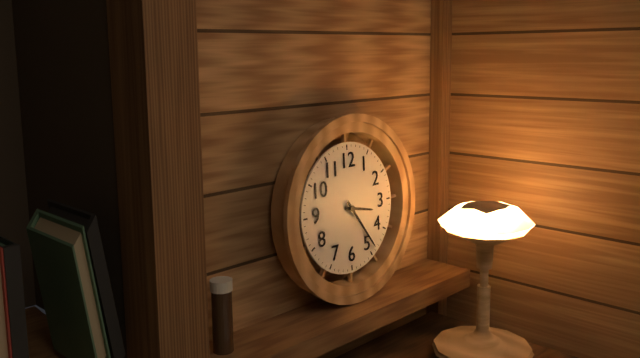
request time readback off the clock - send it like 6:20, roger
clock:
3:24
